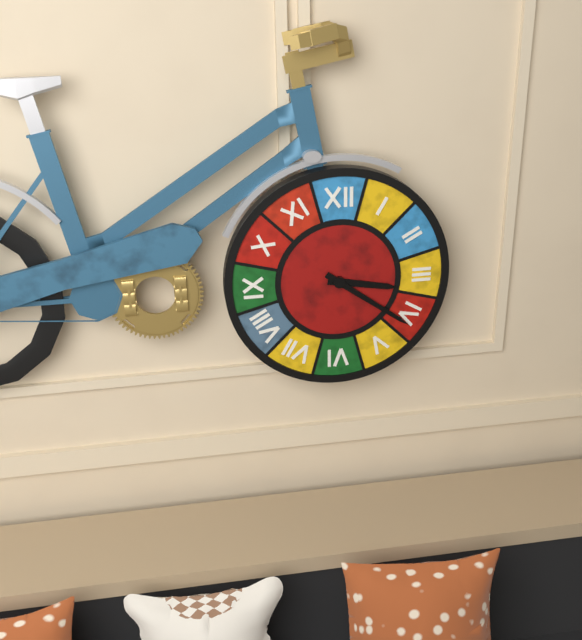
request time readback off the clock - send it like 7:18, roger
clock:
3:21
